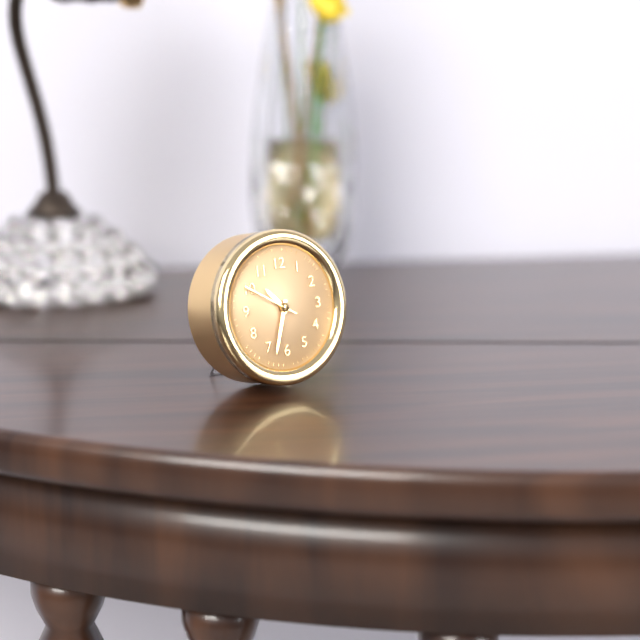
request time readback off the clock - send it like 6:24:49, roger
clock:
10:33:50
